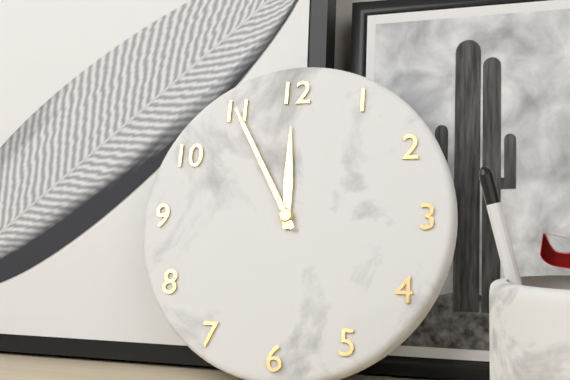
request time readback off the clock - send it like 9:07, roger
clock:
11:55
